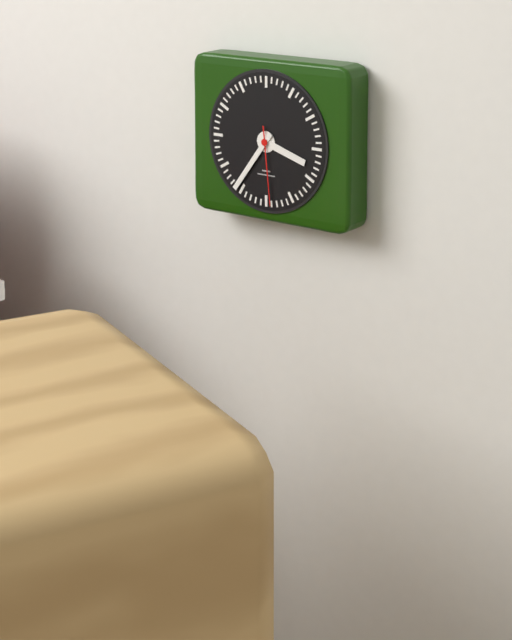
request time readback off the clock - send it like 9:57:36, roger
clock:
3:36:29
